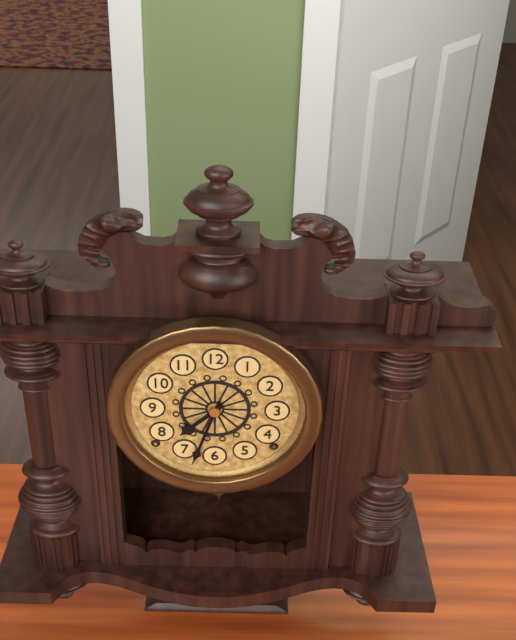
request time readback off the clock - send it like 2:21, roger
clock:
7:33
